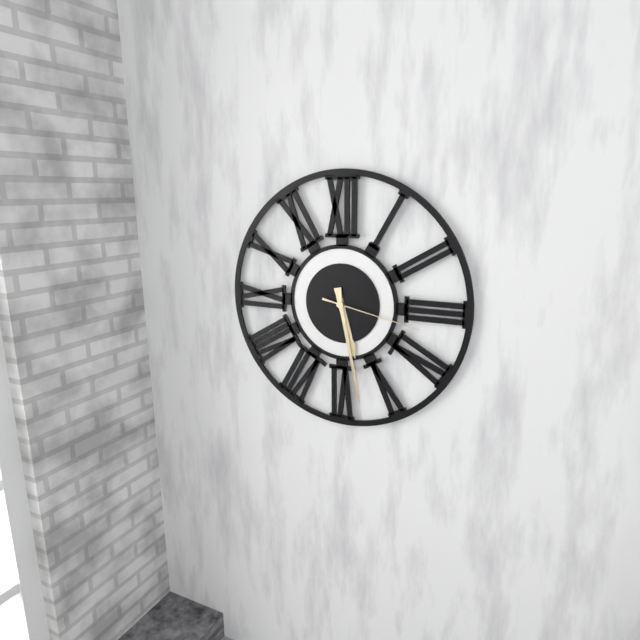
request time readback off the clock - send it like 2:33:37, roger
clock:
5:28:17
